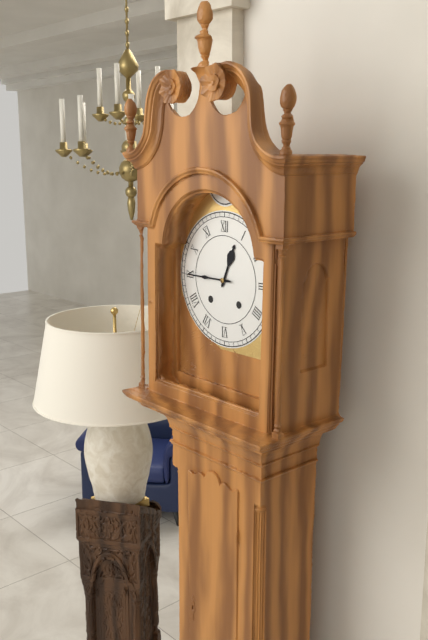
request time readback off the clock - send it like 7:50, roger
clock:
12:45
